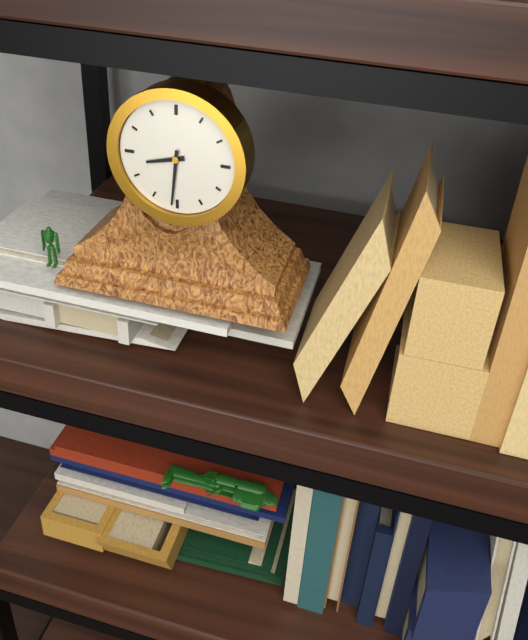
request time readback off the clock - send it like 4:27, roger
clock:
8:31
